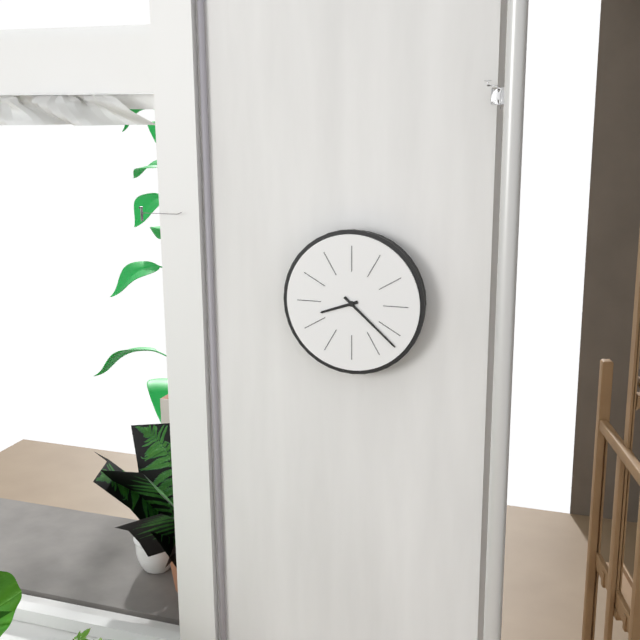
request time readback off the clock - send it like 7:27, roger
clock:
8:22
